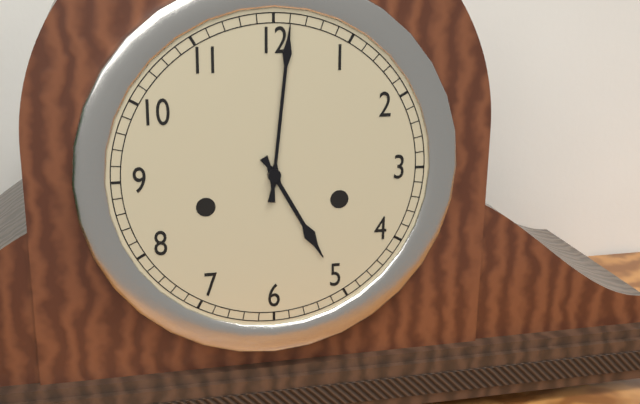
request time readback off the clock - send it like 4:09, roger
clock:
5:01
